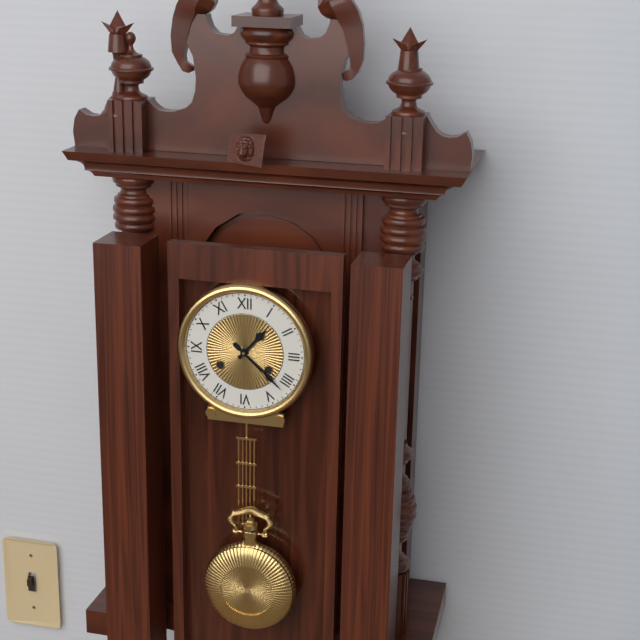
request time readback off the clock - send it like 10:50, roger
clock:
1:22
